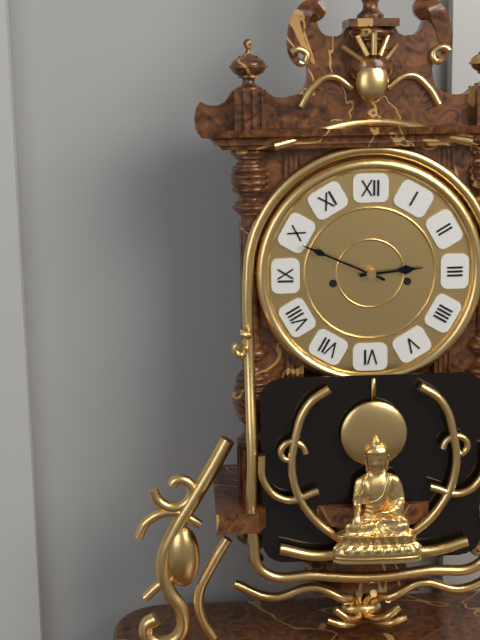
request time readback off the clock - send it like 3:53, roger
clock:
2:49
